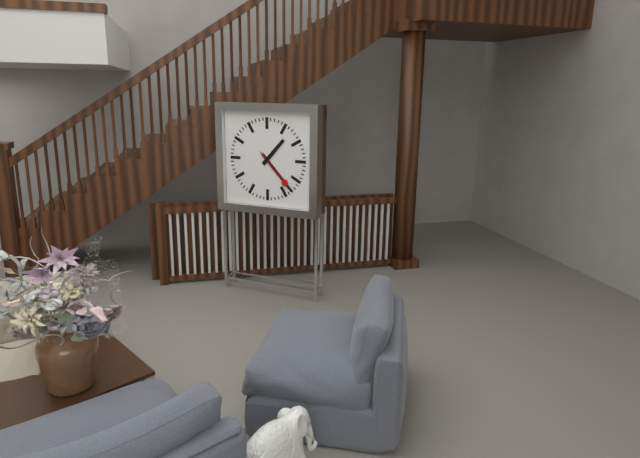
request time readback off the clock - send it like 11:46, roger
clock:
1:23
